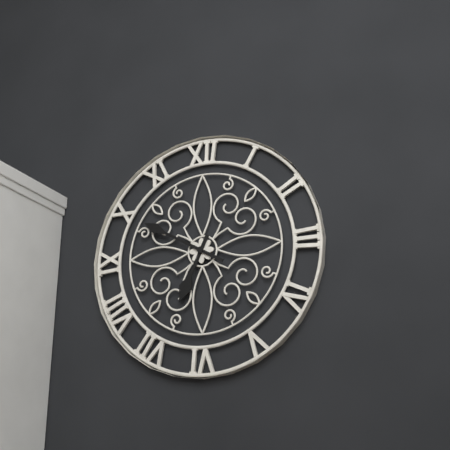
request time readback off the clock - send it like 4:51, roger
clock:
6:50
